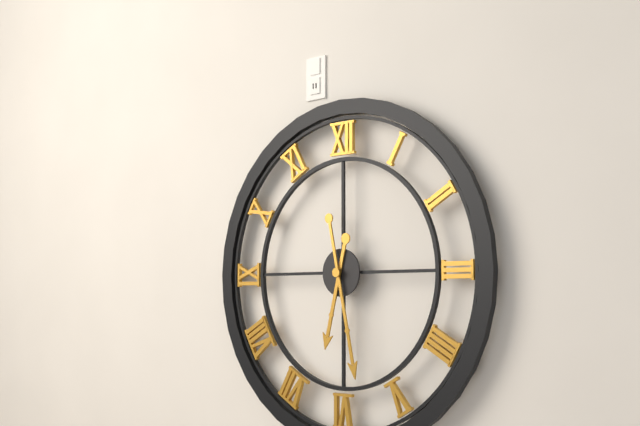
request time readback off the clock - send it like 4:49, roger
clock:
6:28
